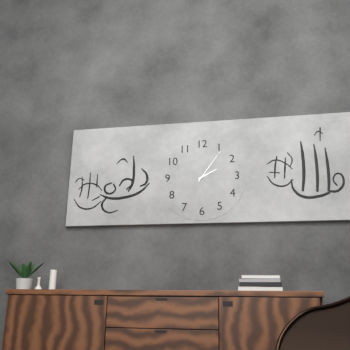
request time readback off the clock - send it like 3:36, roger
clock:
2:06
